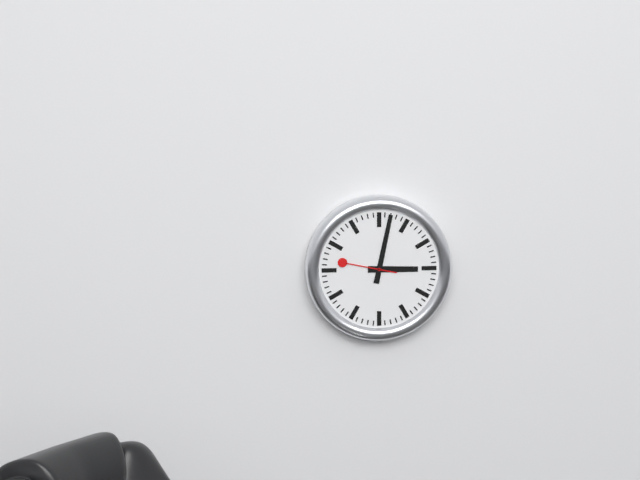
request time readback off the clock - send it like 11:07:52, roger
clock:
3:02:47
